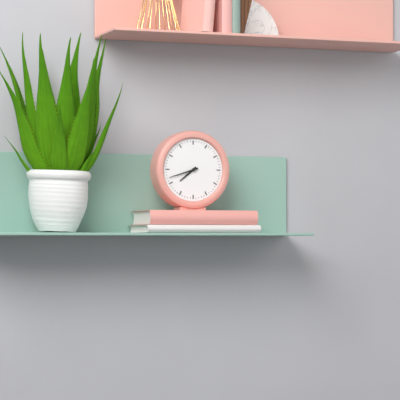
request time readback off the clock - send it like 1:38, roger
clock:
7:42
